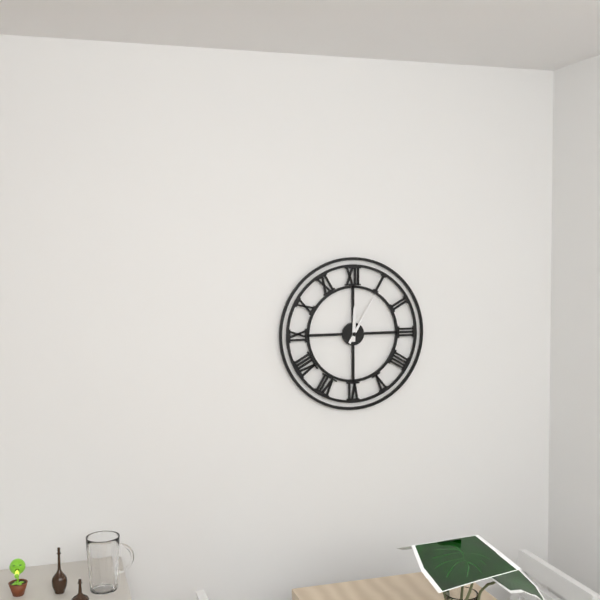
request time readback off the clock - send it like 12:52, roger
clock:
12:05
